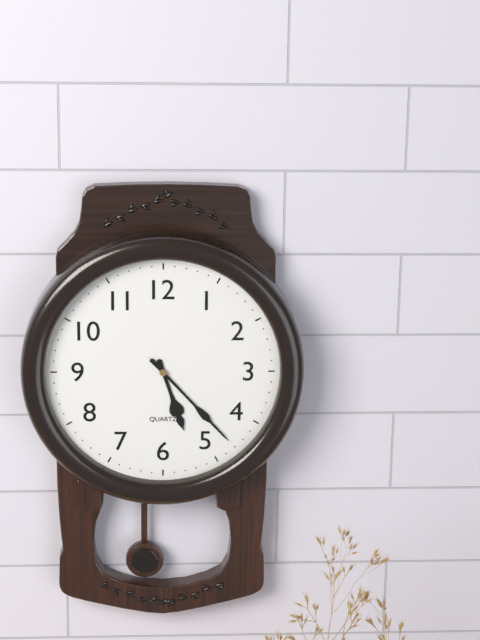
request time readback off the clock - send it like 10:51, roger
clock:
5:23
